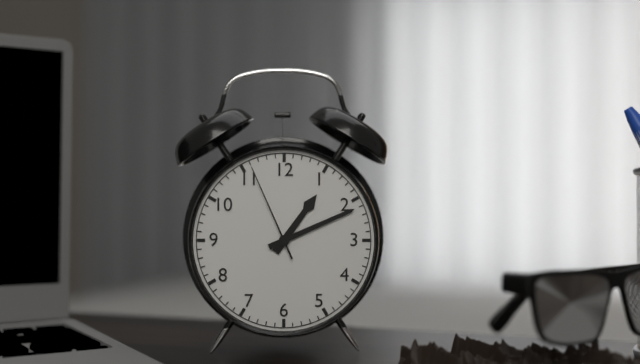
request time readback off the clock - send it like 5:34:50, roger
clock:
1:11:56
